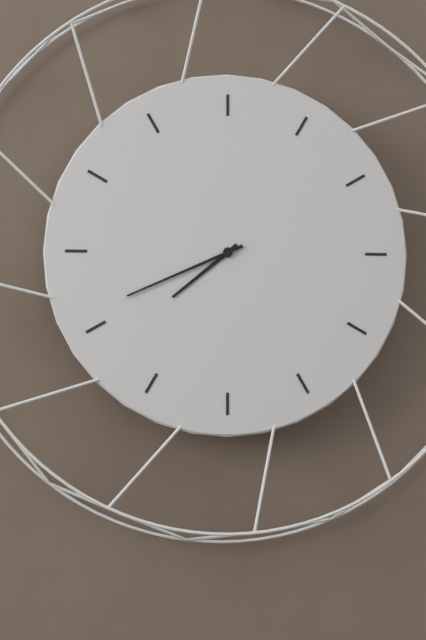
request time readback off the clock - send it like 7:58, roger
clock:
7:41
